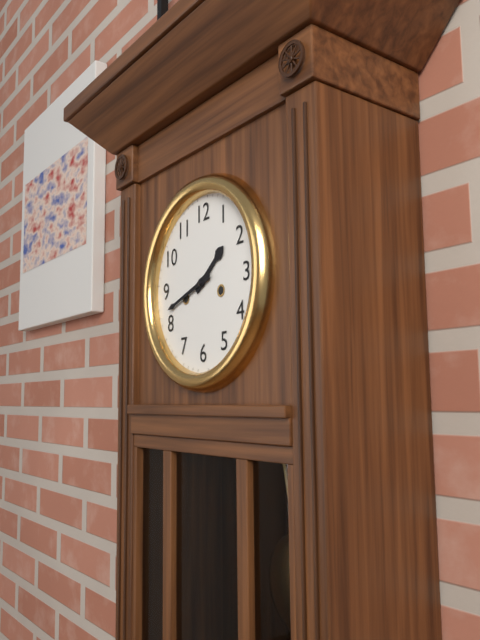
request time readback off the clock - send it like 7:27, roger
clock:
1:42
